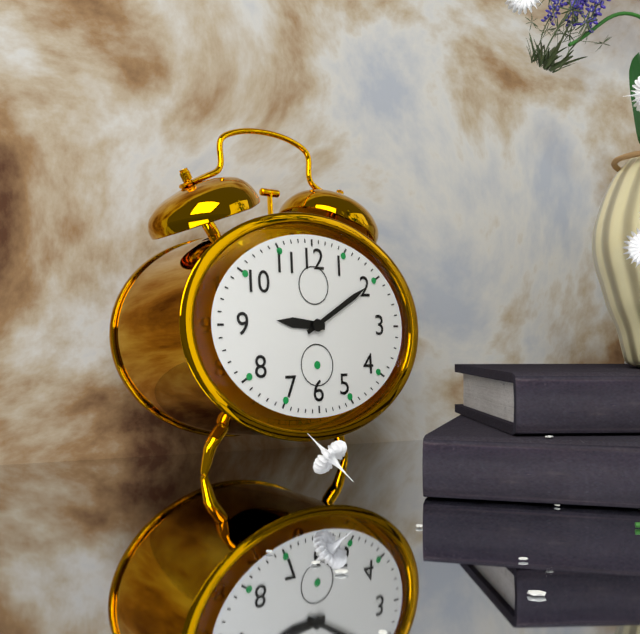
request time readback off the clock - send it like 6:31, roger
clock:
9:10
